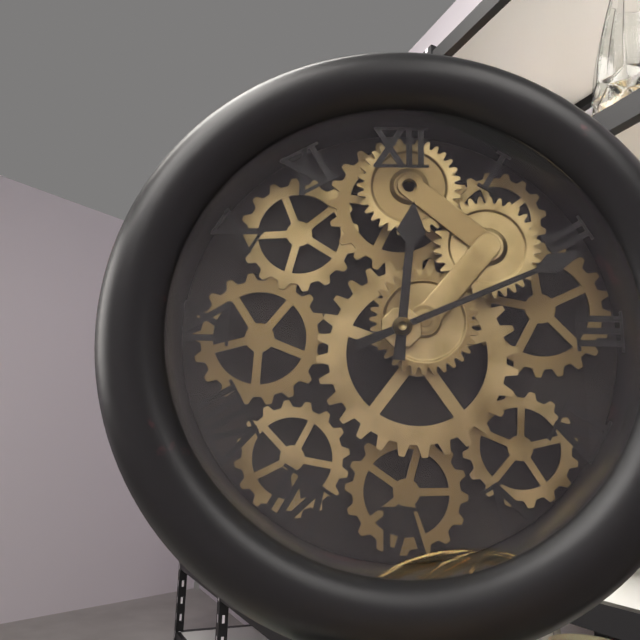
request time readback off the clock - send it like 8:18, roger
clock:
12:11
